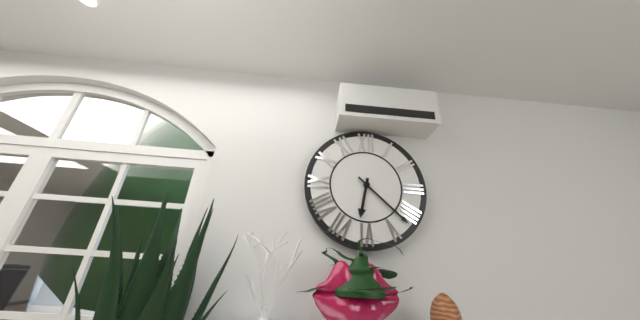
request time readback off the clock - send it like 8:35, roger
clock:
6:22
